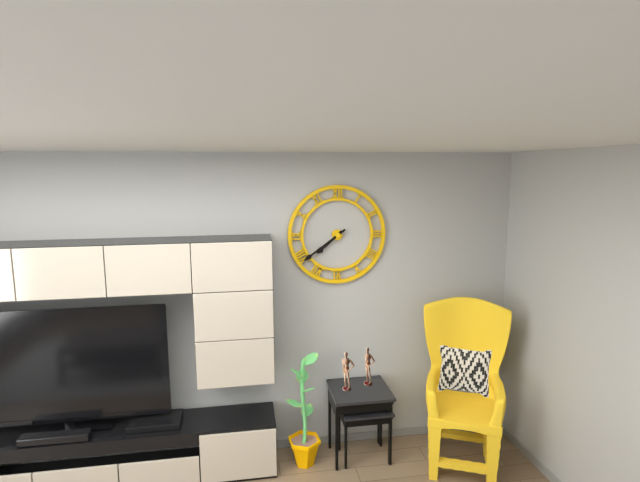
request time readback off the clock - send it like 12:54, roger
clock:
7:39
